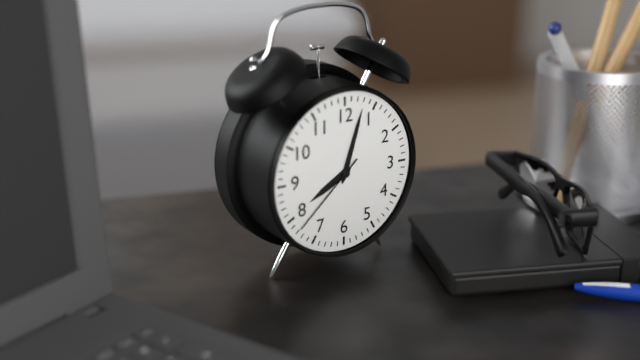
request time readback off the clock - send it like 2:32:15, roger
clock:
8:03:38
